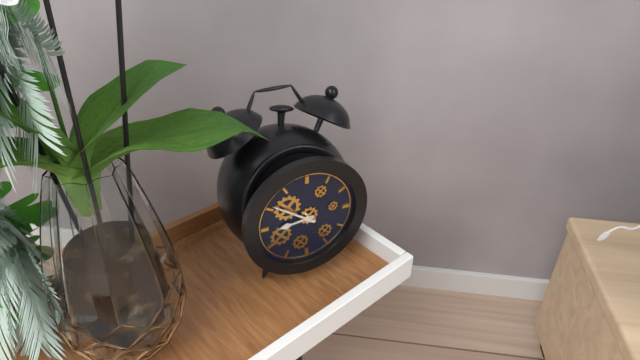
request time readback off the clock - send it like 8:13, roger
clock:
8:51
